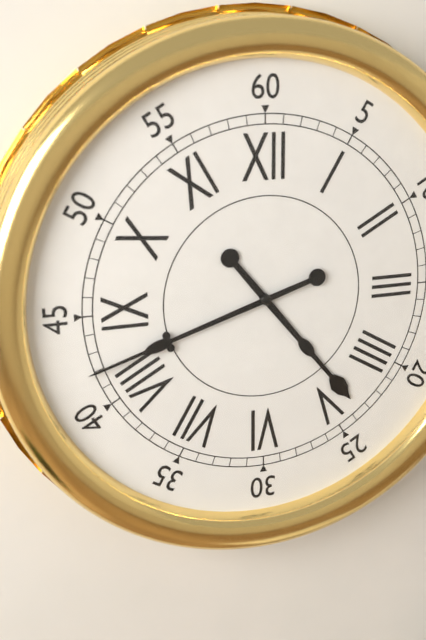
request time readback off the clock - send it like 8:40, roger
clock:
4:42
